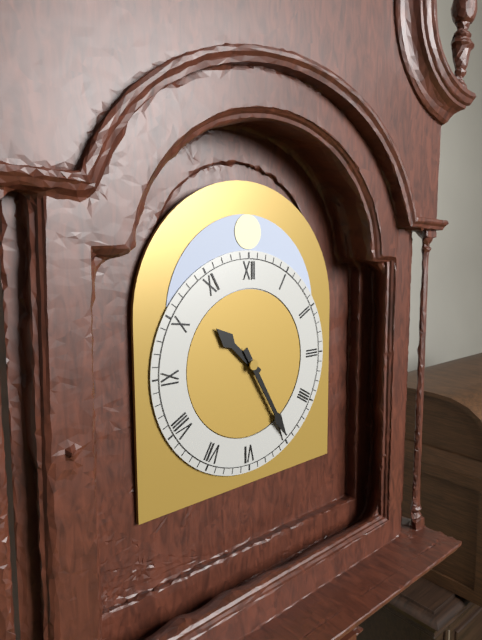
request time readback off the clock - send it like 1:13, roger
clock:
10:25
